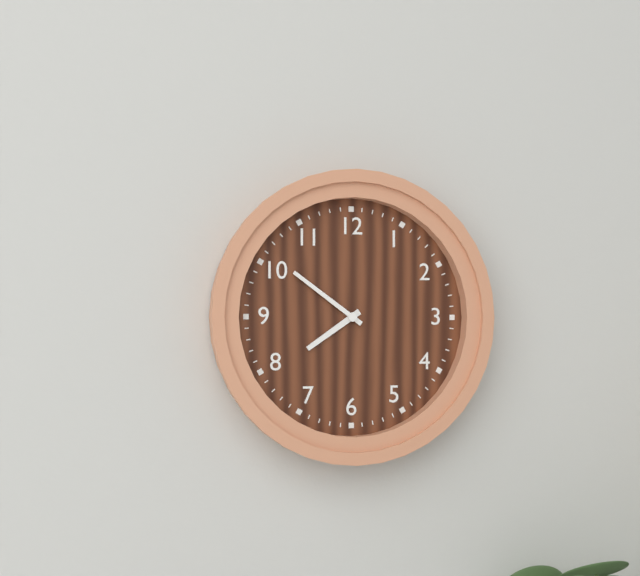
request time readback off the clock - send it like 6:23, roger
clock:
7:51
